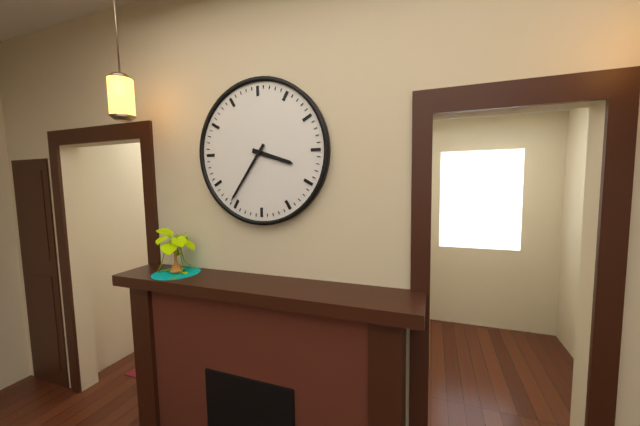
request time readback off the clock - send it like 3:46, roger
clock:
3:36
